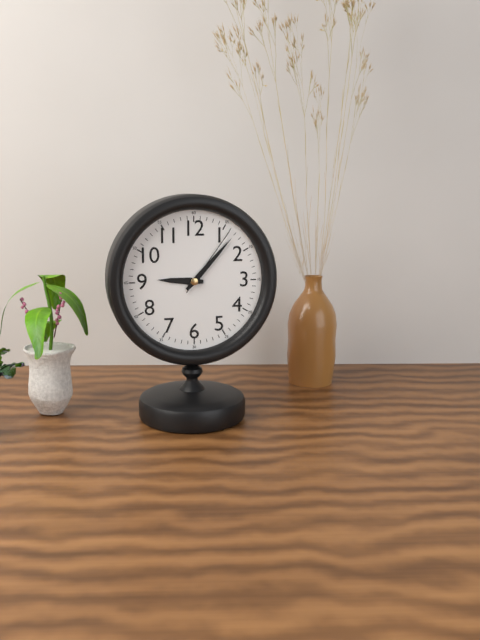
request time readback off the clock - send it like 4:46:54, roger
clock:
9:07:06
